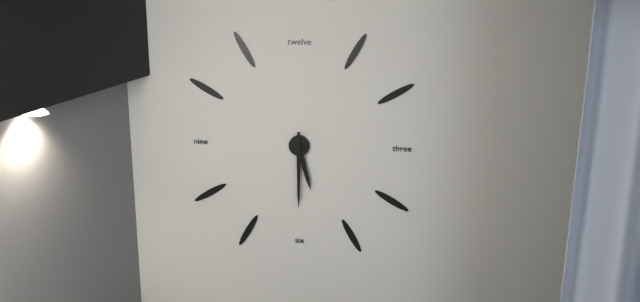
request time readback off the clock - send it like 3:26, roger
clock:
5:30
